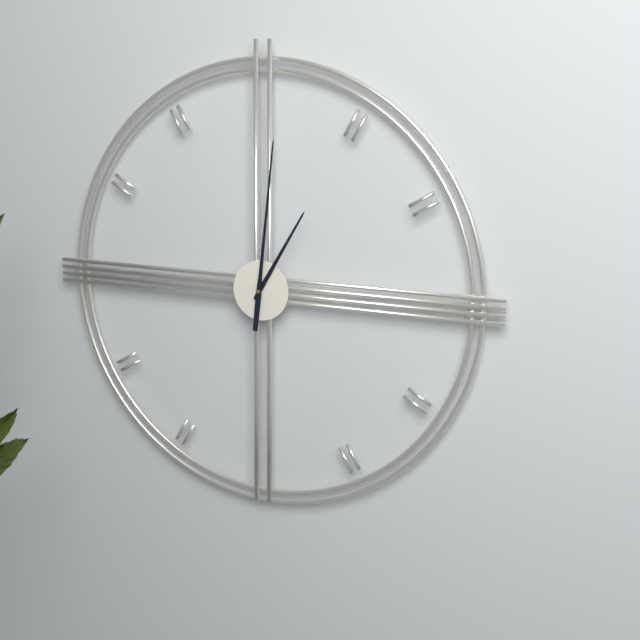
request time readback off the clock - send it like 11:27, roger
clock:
1:01
